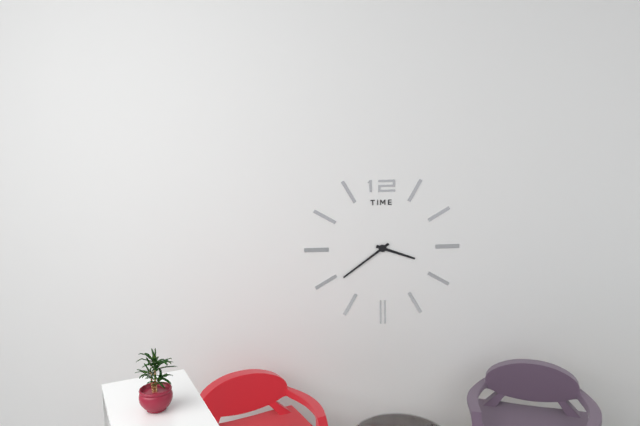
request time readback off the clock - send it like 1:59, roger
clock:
3:39
